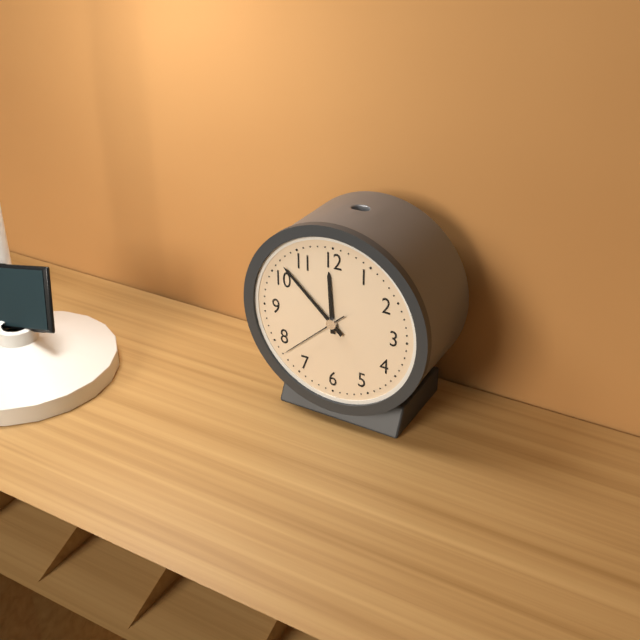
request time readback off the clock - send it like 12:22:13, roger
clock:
11:52:38
